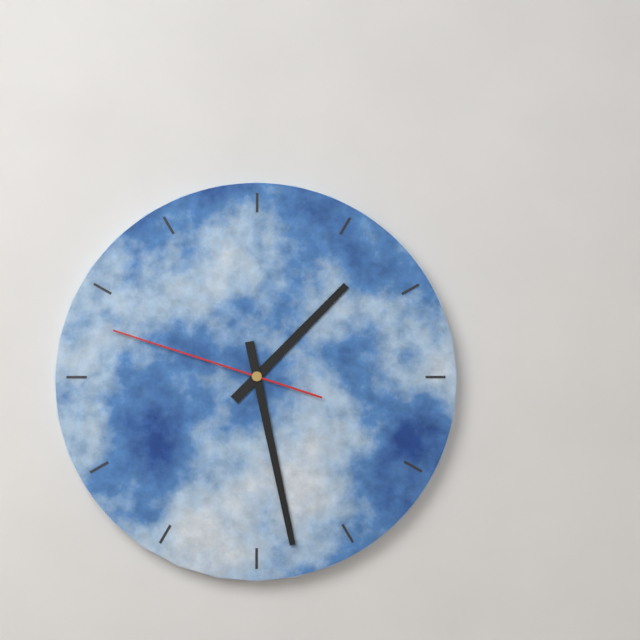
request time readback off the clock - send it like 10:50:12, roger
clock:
1:28:48
